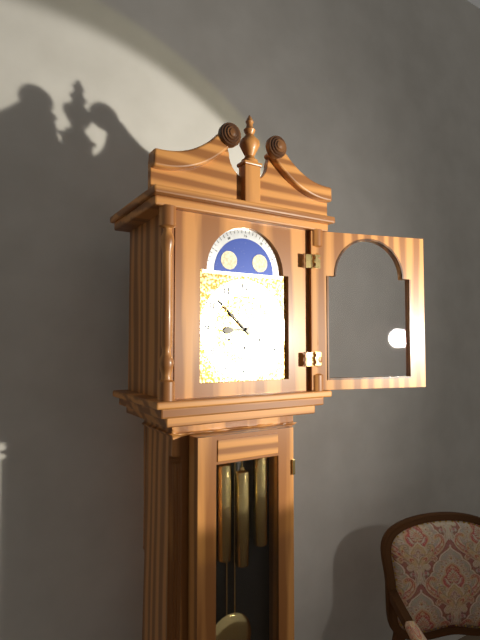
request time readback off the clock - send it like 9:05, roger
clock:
8:52
